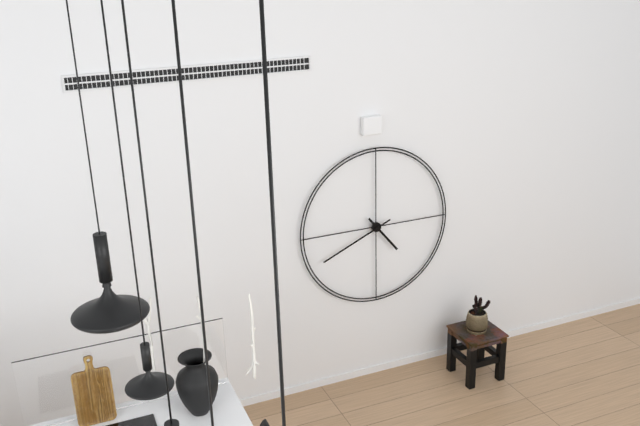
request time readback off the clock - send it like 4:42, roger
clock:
4:41
